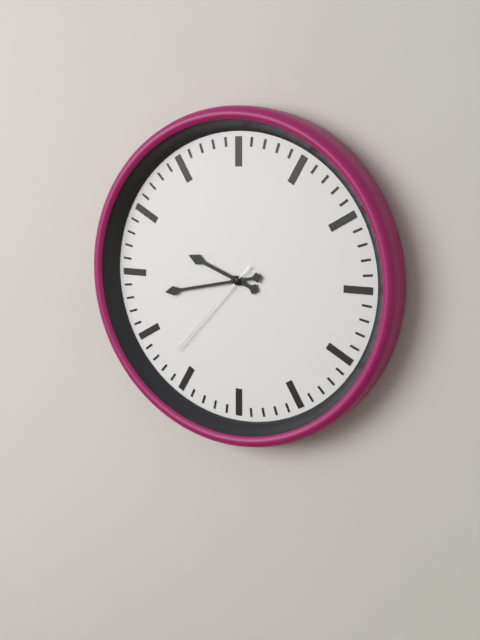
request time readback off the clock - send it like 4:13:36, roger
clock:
9:43:37
